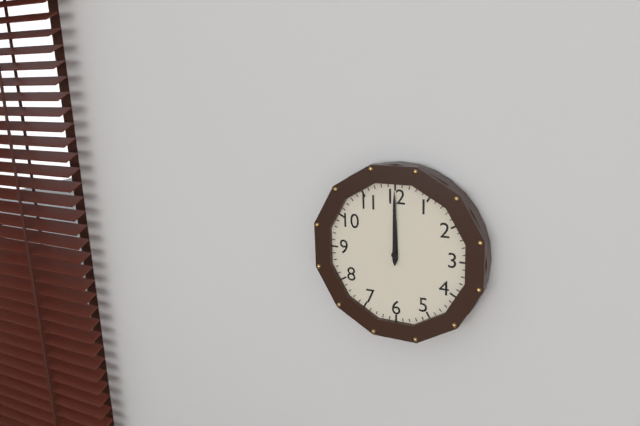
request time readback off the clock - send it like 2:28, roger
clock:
12:00
